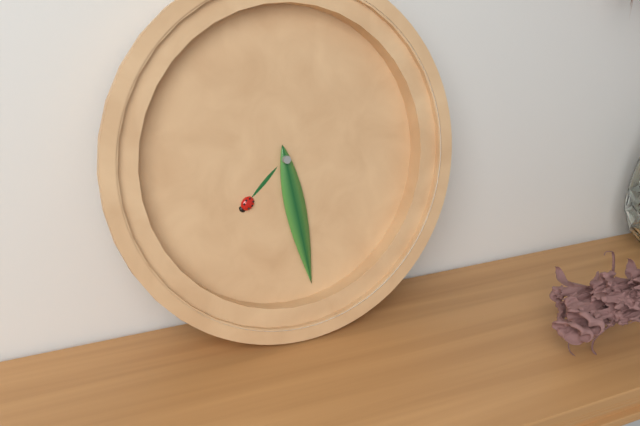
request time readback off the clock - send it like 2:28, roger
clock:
7:28
